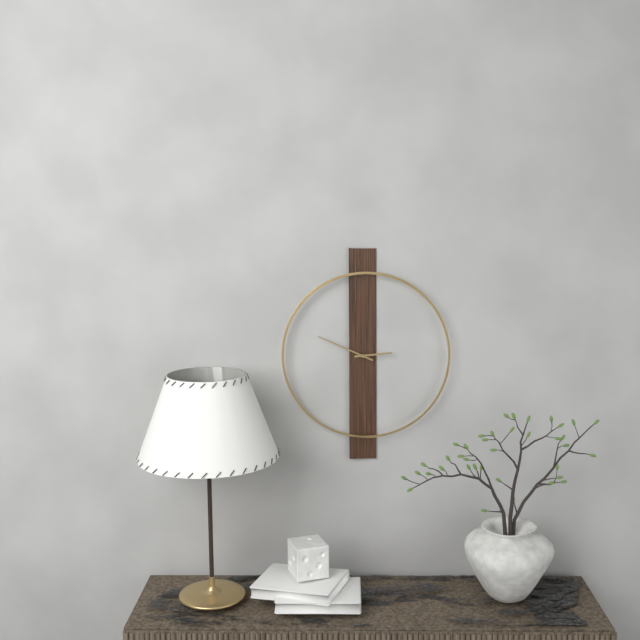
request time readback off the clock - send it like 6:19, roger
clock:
2:49
